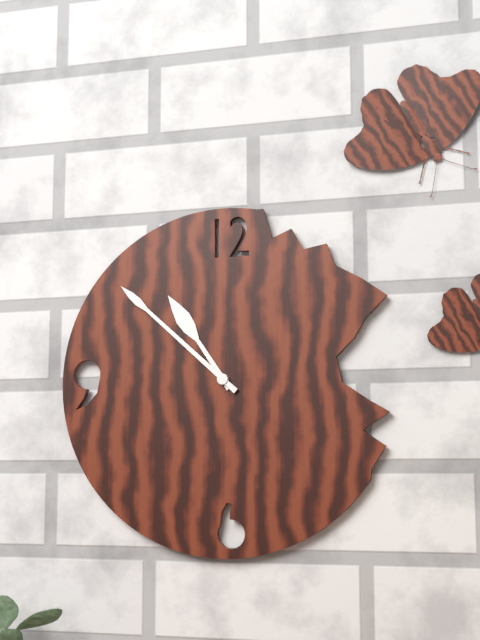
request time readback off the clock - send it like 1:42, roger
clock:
10:52
